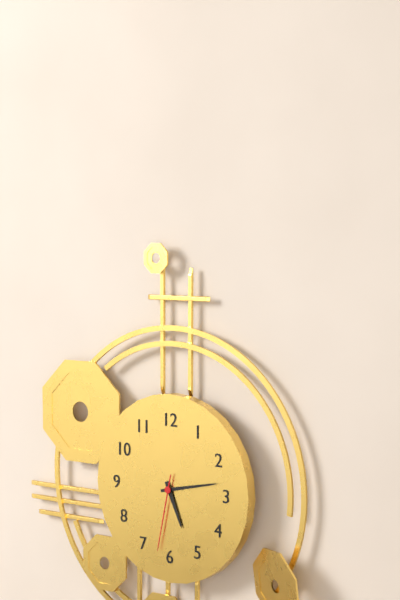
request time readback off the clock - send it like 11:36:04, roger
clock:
5:13:32
